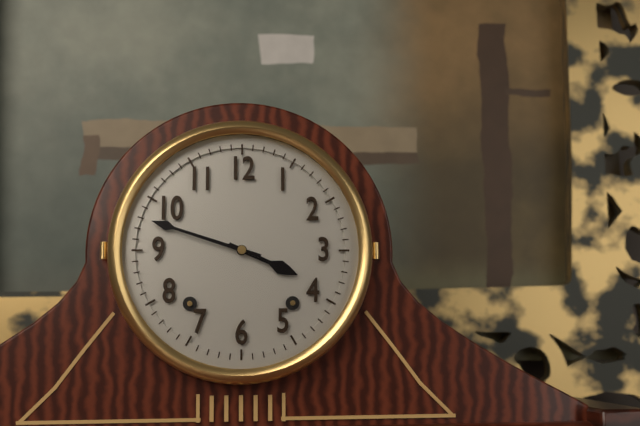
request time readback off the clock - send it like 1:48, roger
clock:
3:48
